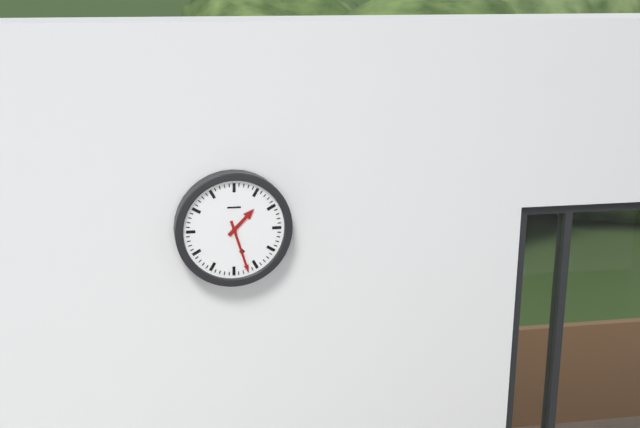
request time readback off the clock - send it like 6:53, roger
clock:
1:27
